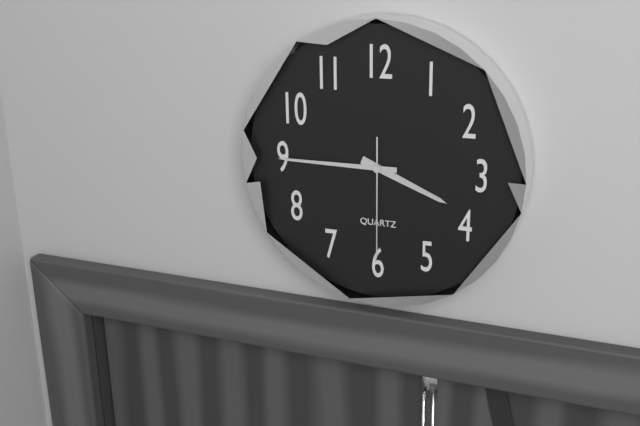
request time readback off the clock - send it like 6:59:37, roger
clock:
3:45:30
